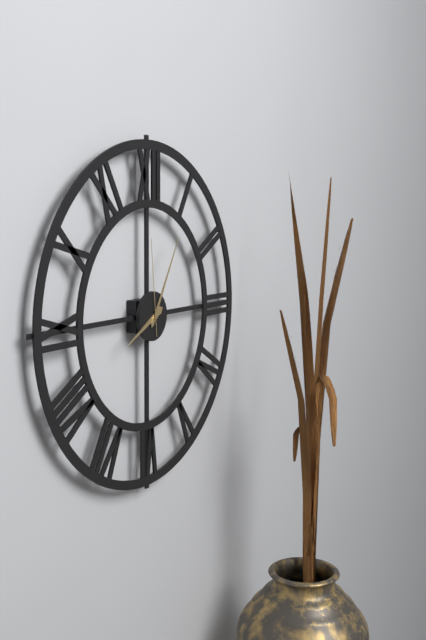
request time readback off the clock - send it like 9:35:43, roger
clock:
8:05:59
